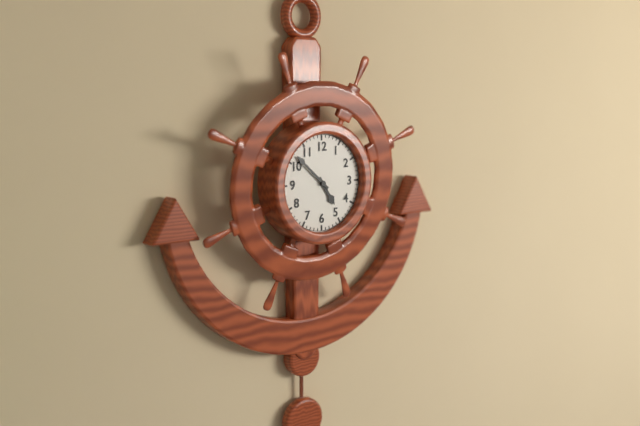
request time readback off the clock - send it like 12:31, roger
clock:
4:52
